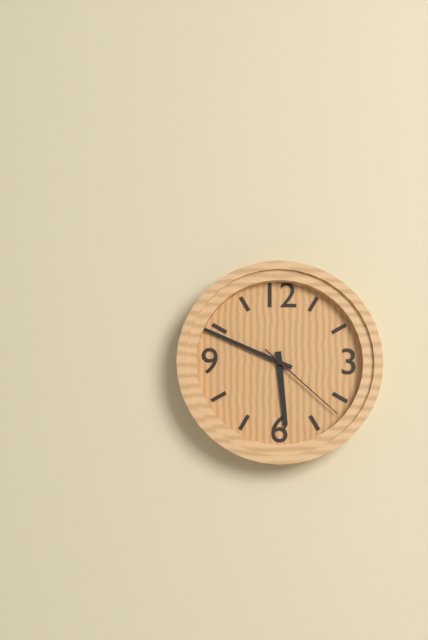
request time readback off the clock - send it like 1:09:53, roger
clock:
5:49:22
